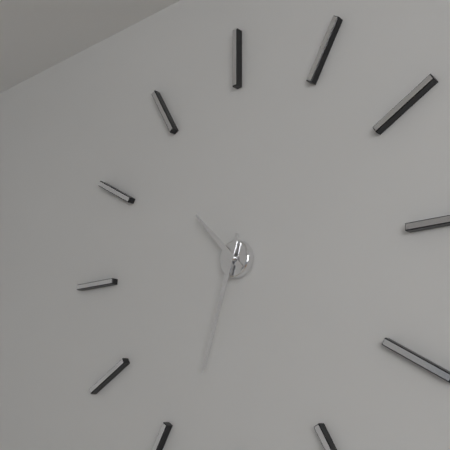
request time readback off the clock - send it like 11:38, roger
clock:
10:33
